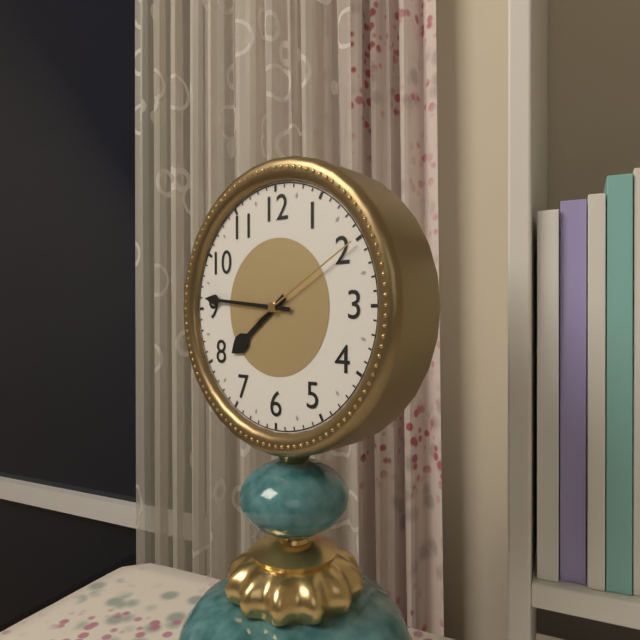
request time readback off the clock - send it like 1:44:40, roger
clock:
7:46:10
